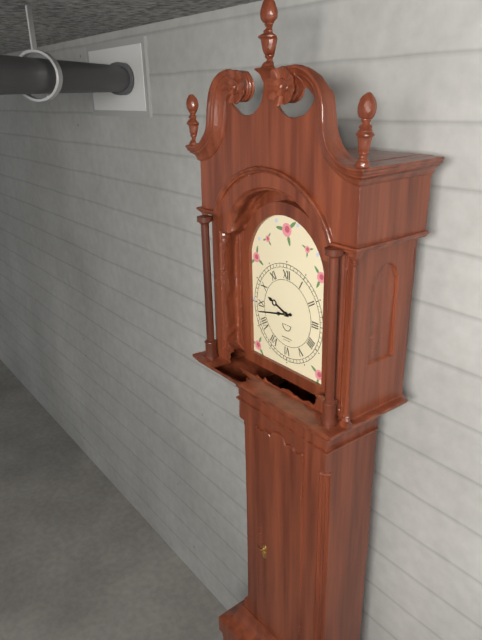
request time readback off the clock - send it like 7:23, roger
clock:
9:43
